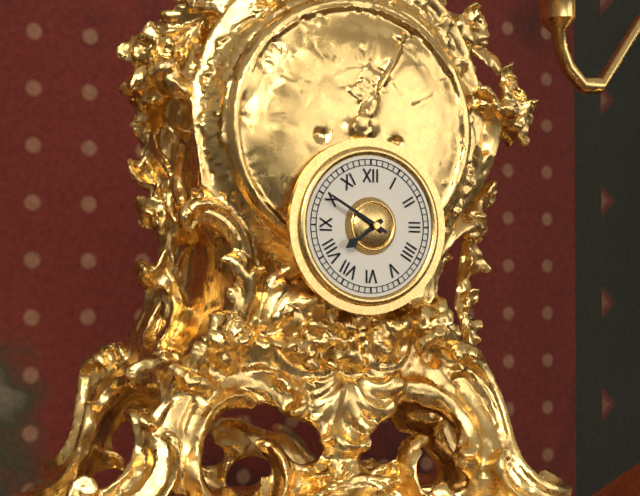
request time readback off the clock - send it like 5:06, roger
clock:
7:50
